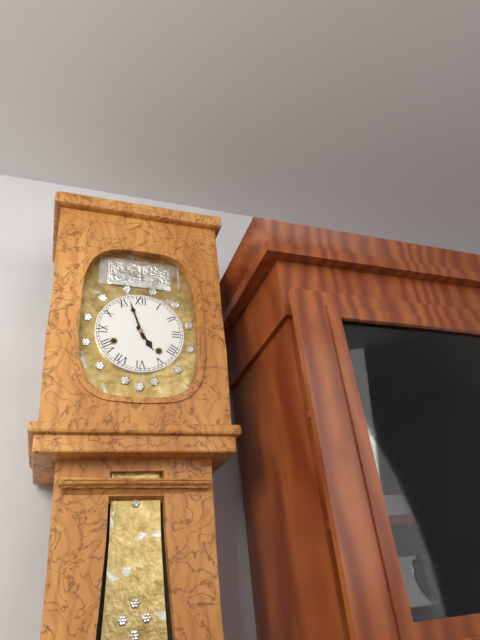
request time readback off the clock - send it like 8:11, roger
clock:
4:57
